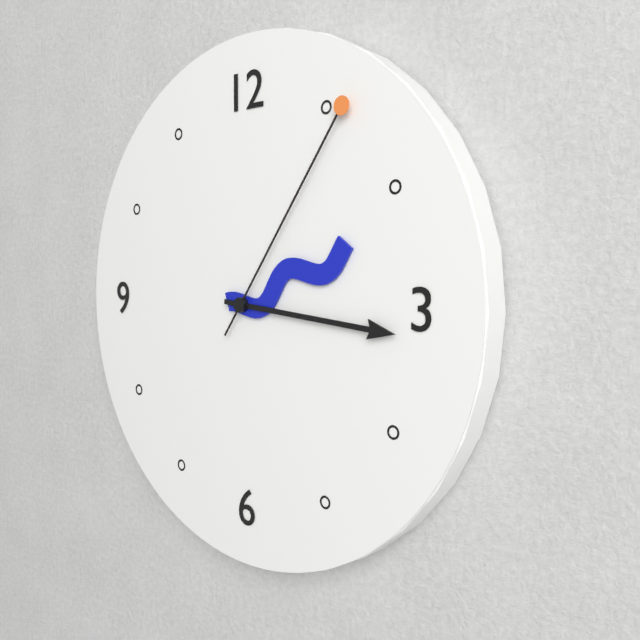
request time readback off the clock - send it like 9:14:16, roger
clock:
2:16:06
